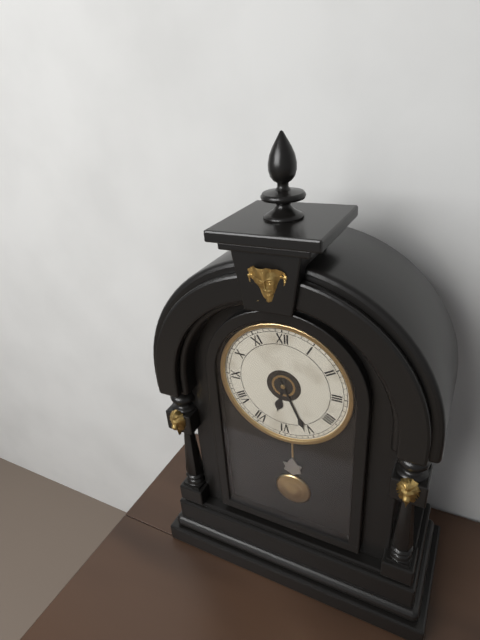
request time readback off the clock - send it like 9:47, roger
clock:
6:26
